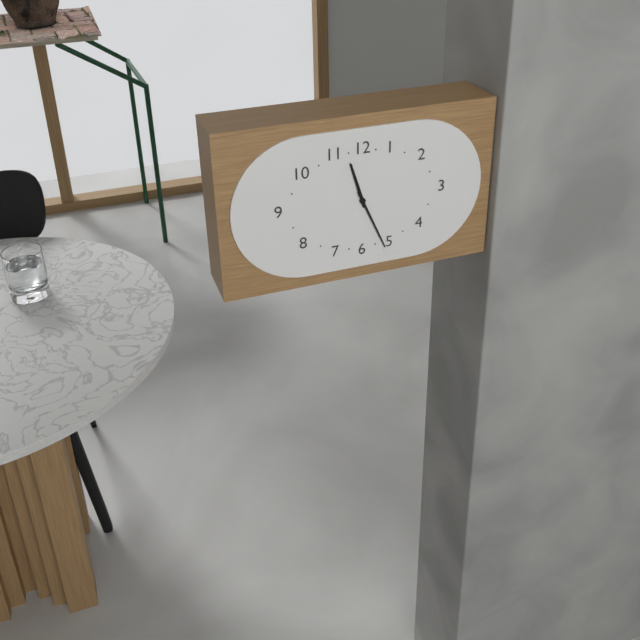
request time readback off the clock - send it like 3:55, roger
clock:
11:26
